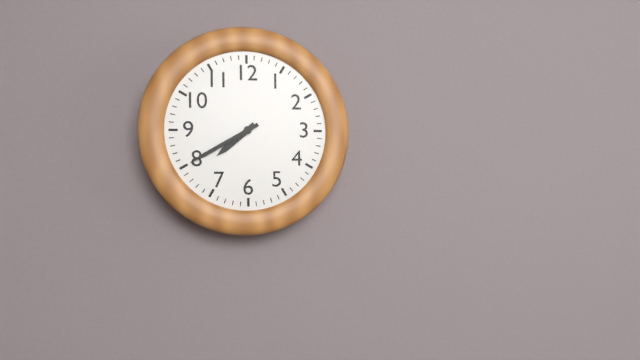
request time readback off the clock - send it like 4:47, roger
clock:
7:40
